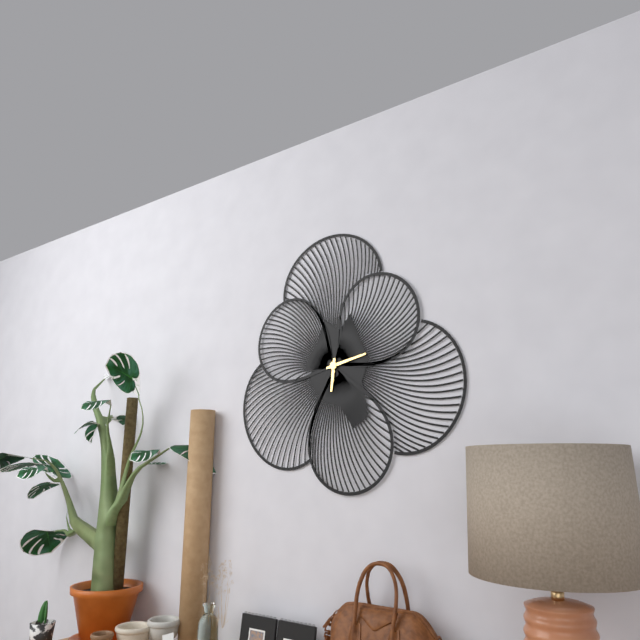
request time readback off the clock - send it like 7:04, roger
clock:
6:13
